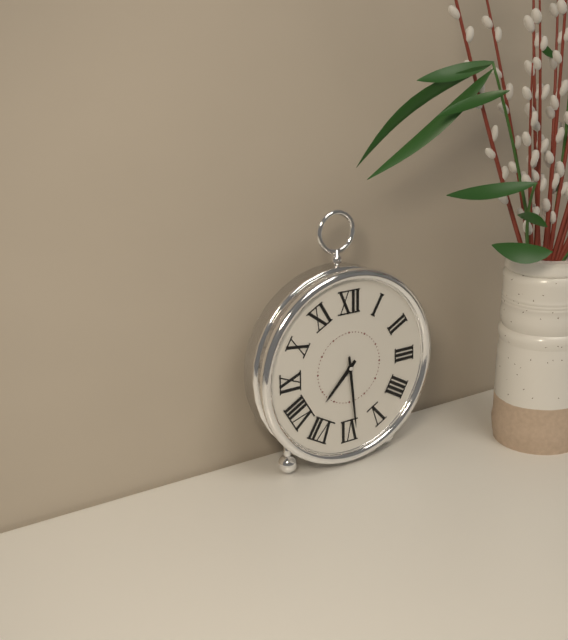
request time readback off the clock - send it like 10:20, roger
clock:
7:29
